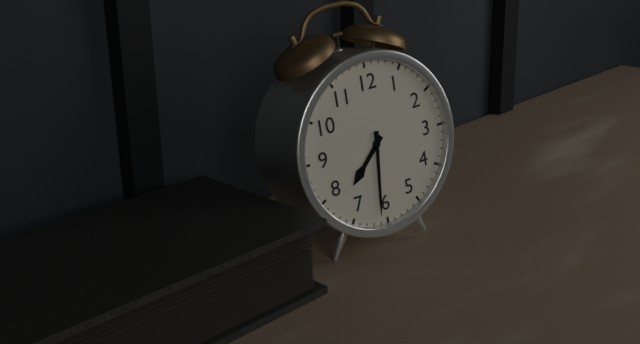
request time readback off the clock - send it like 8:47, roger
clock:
7:31
